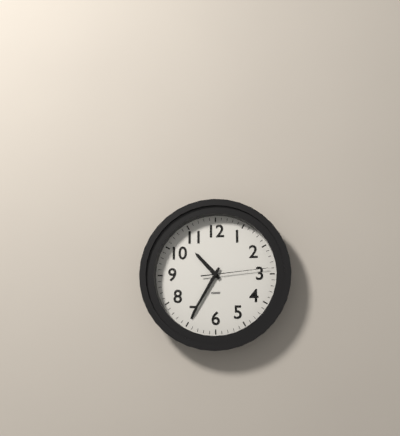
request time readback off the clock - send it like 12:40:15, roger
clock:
10:35:14
